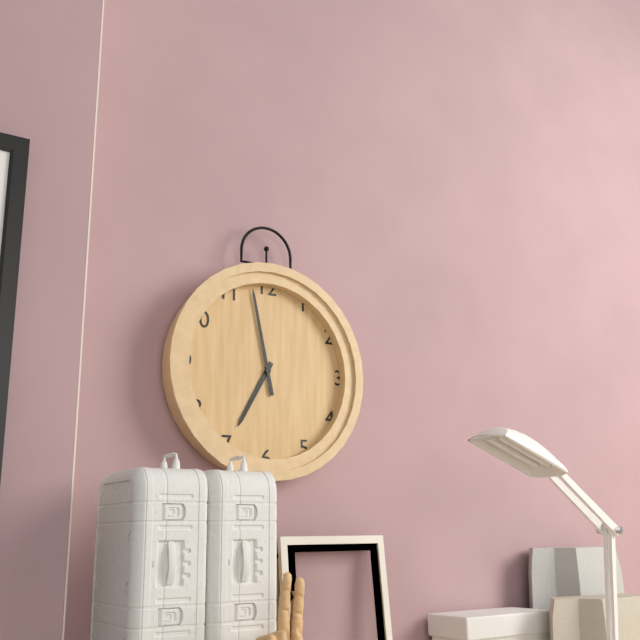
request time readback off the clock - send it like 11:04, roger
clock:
6:58
